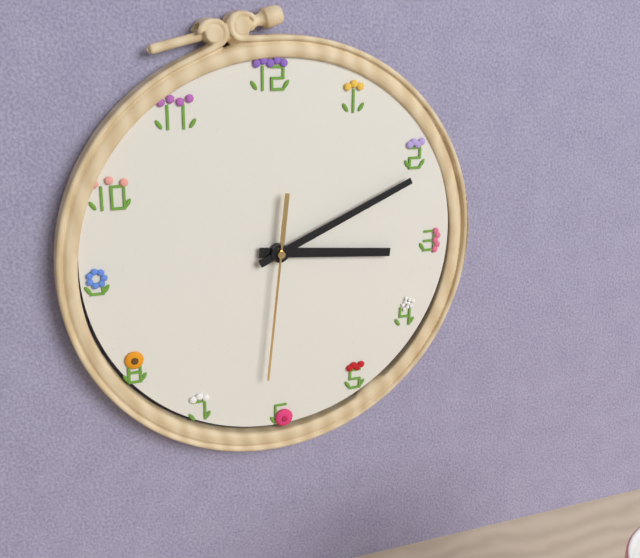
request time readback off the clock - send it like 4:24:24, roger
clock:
3:11:31
